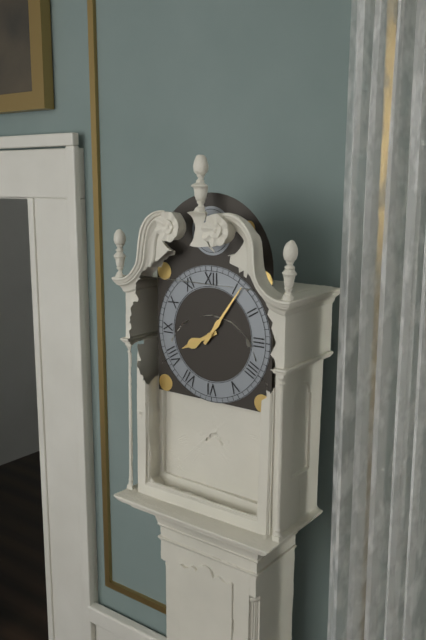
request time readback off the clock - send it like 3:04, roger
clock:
8:06
